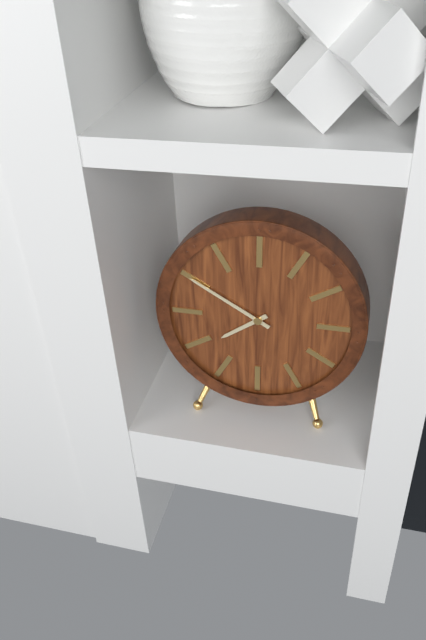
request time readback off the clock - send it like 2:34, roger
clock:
7:50
